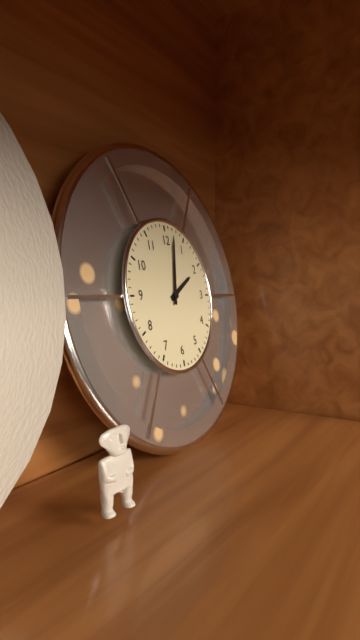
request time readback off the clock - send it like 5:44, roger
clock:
2:02
